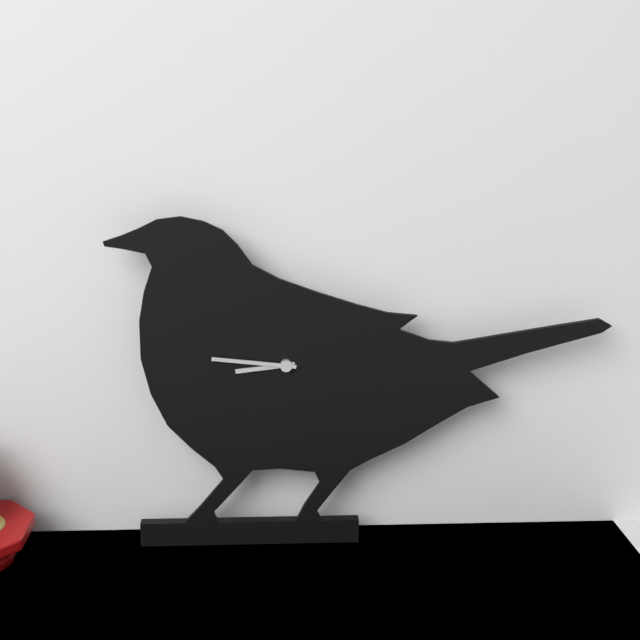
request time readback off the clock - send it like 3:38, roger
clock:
8:46
